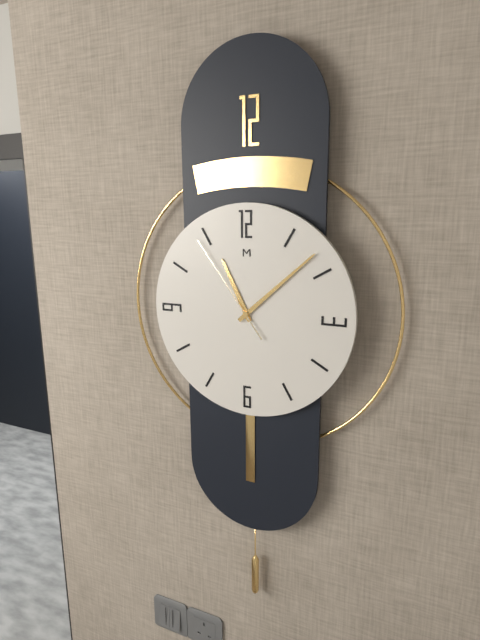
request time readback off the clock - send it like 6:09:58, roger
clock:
11:08:54
